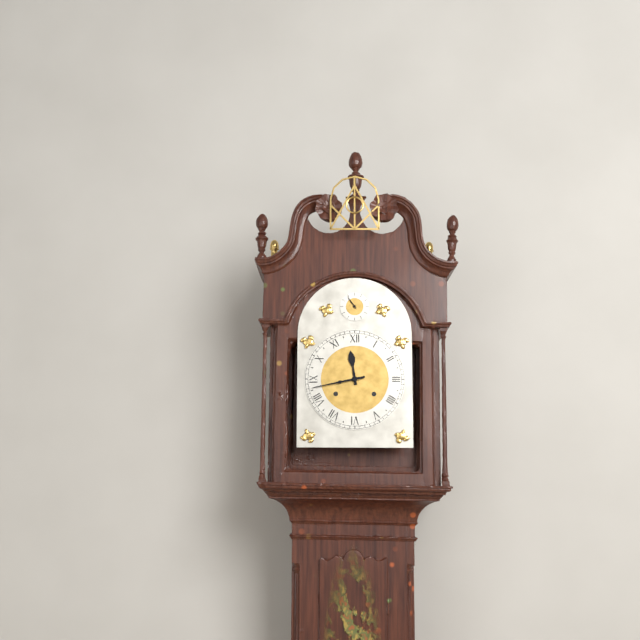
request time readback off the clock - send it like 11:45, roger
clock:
11:43
